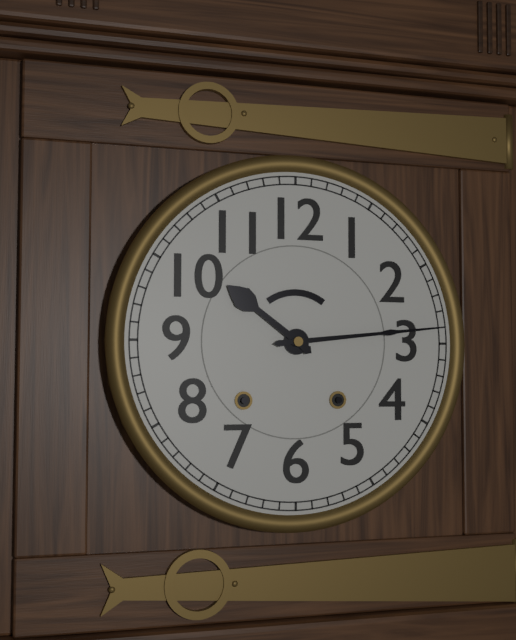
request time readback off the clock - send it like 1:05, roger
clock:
10:14
